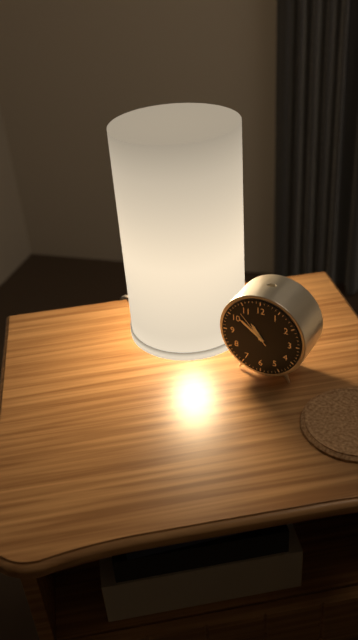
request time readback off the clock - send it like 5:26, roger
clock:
10:51
